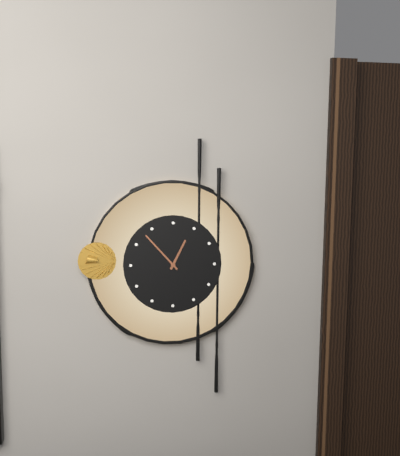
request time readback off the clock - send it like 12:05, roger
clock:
12:53
